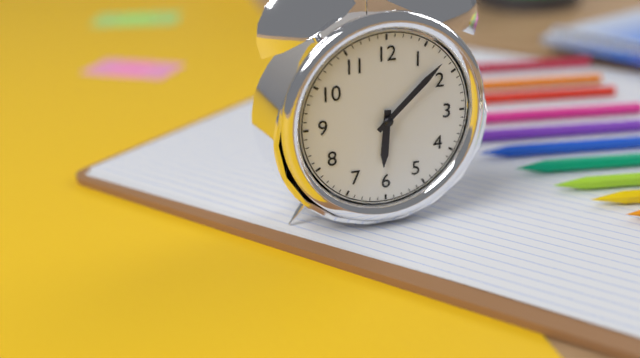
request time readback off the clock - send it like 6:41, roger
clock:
6:08
